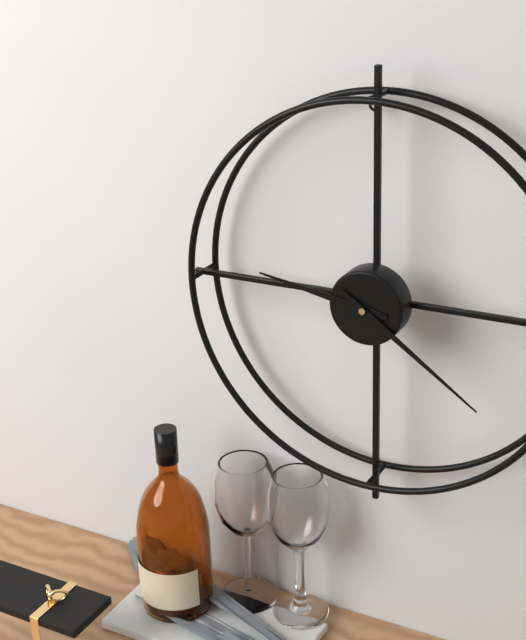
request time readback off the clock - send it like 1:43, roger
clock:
9:21
